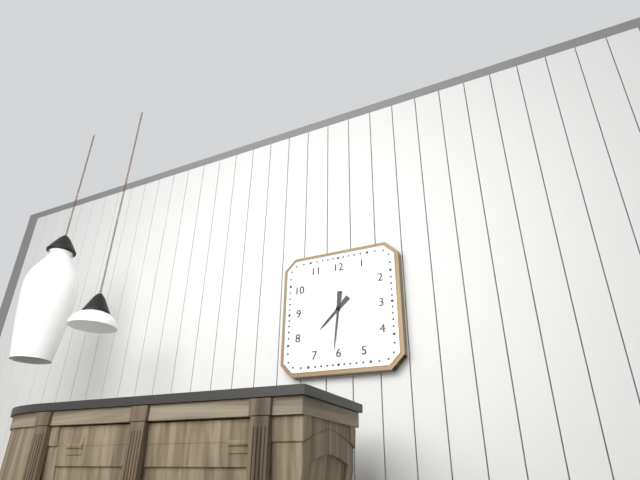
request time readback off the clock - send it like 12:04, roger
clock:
7:31
